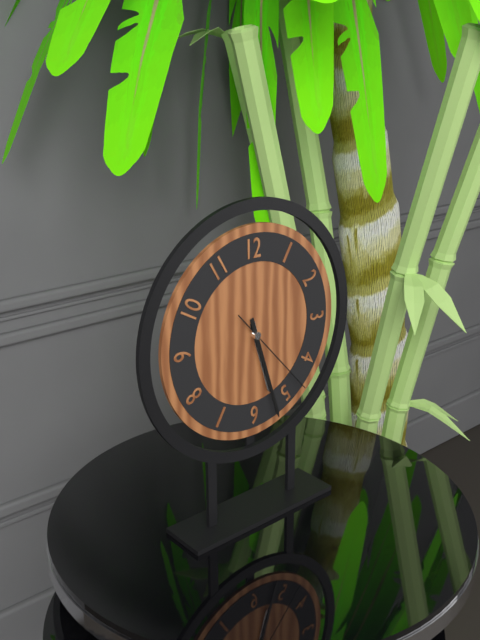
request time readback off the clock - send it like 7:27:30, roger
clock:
5:27:23
